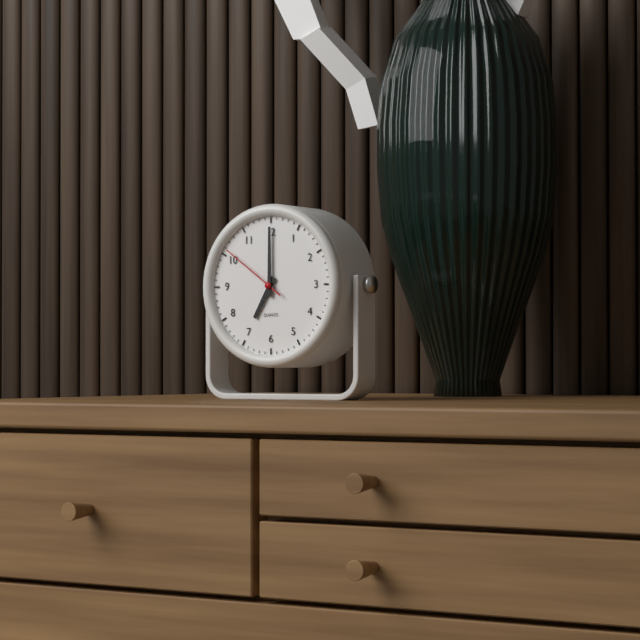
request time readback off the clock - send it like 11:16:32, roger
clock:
7:00:51
